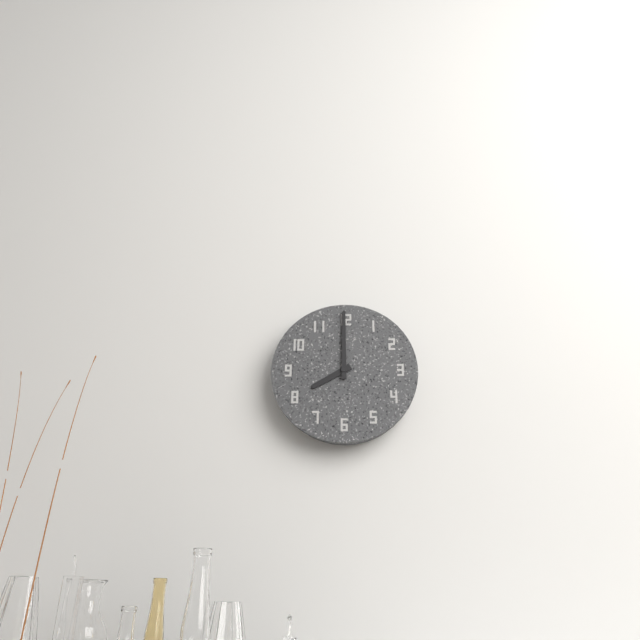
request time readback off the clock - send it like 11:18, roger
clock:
8:00
